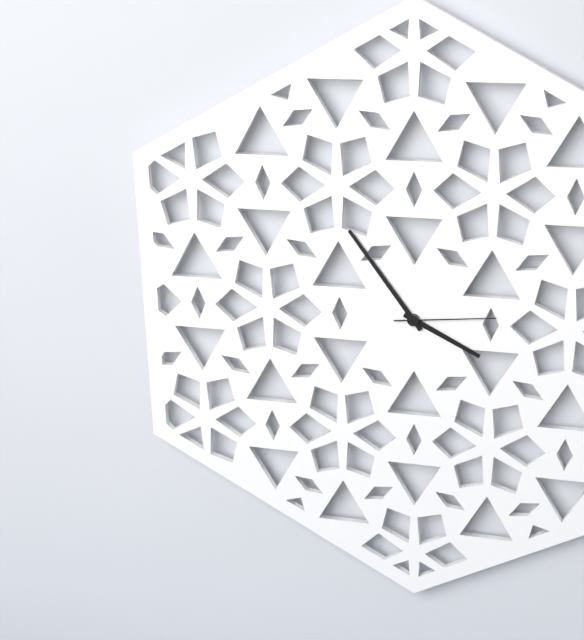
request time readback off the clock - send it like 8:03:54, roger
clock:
3:54:14
